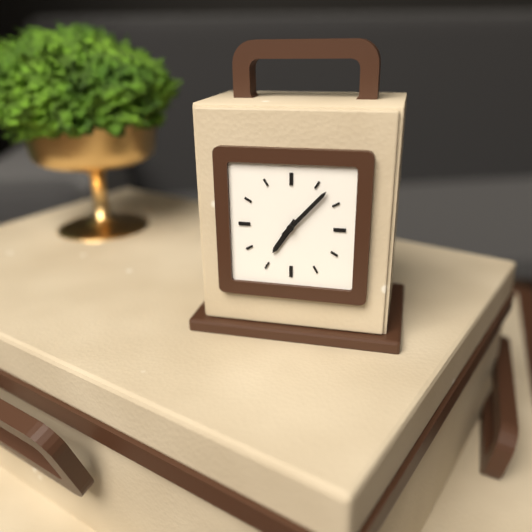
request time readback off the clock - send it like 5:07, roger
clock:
7:07
